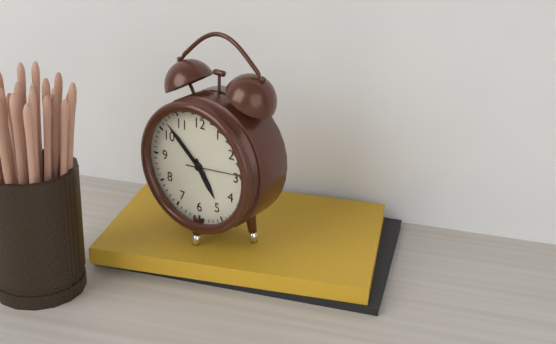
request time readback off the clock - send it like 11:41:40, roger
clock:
4:52:14
